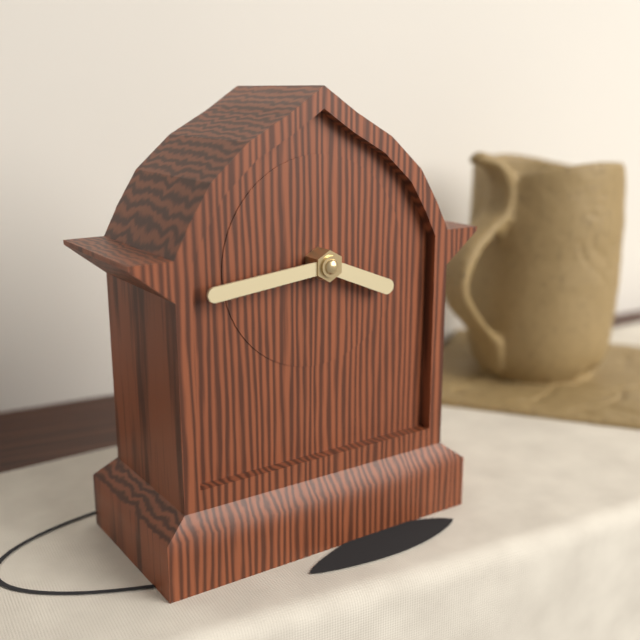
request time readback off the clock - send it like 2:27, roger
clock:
3:44
